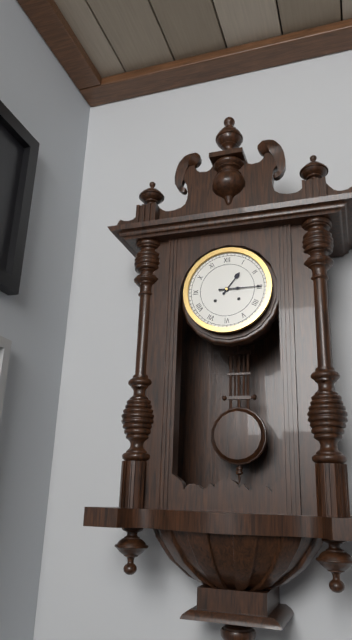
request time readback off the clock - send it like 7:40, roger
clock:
1:15
